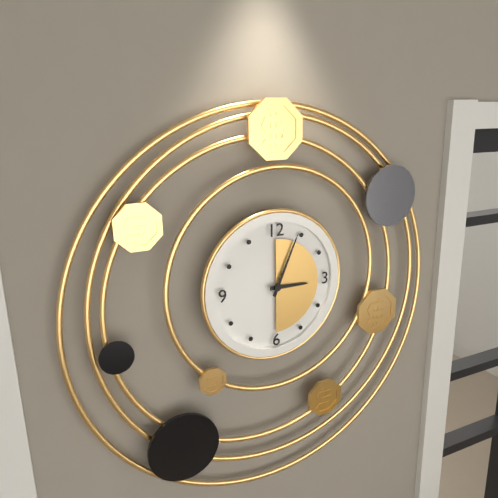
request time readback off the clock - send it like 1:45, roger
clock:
3:04
